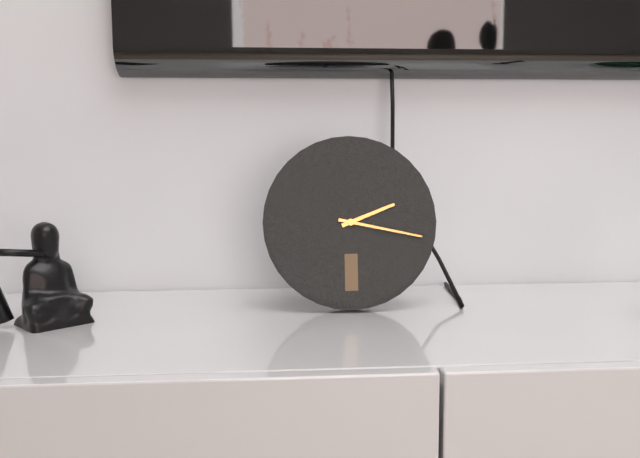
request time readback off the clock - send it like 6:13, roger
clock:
2:17
